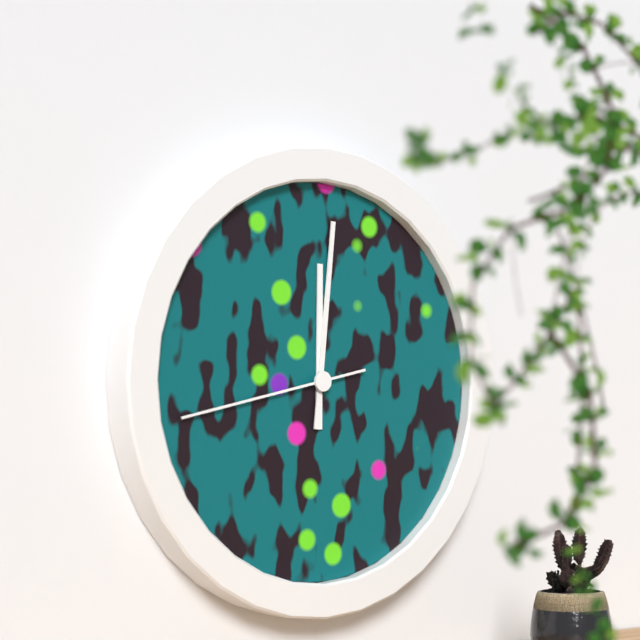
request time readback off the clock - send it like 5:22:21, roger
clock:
12:01:43
